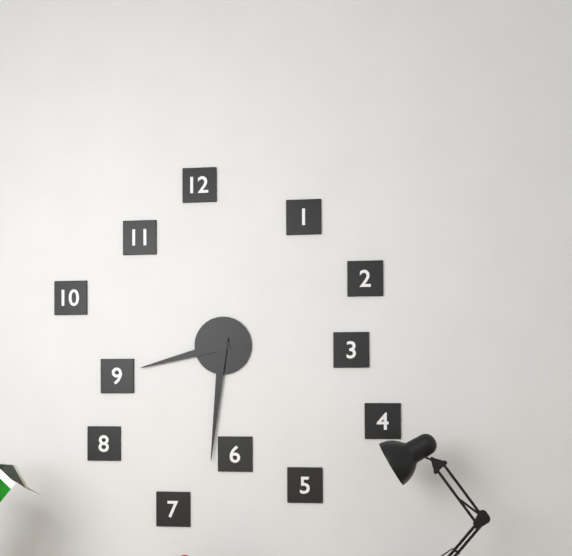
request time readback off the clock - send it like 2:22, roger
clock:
8:31
